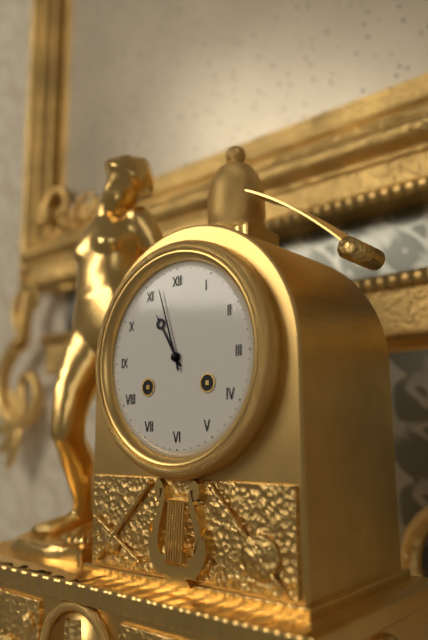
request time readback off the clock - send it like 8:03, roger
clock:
10:57
